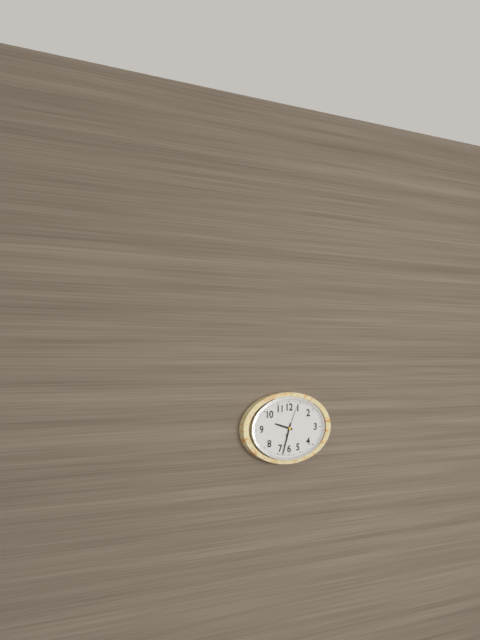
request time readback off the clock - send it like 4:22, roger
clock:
9:33
